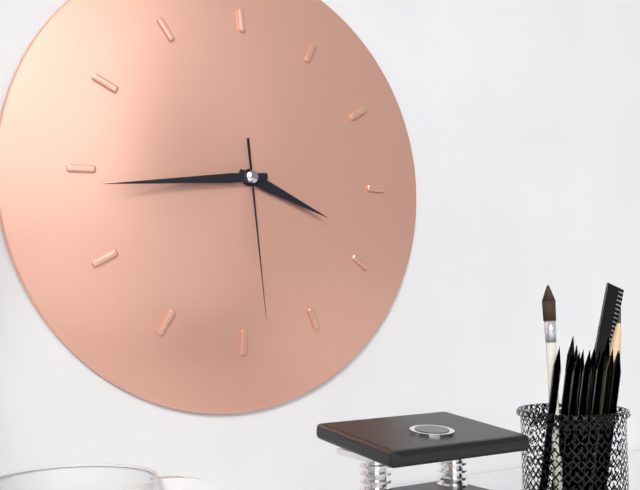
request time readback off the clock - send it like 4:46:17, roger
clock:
3:44:29
